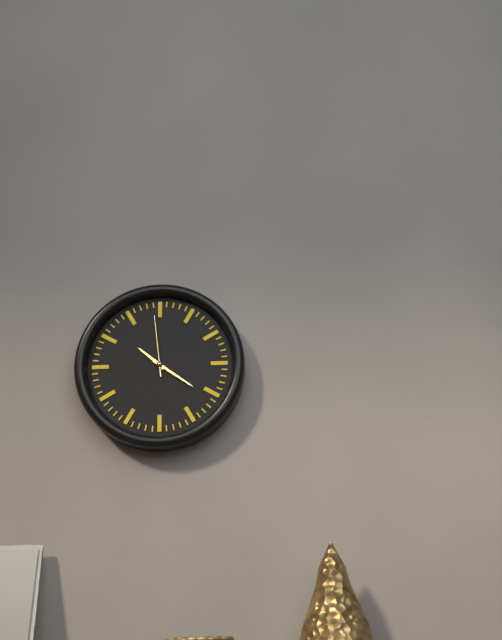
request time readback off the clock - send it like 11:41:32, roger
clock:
10:21:59
